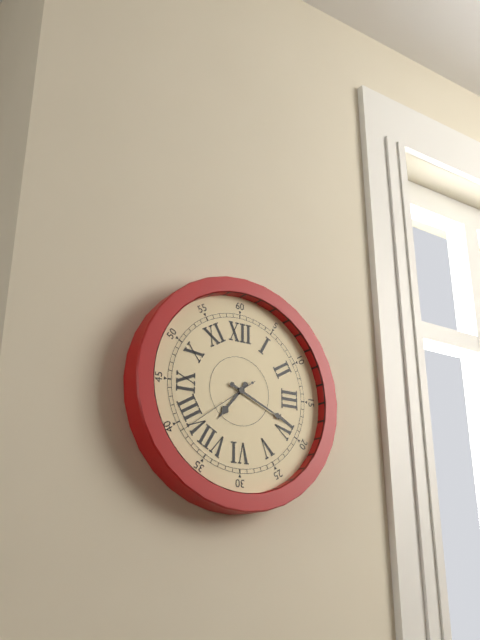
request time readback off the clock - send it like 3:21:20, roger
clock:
7:19:39
